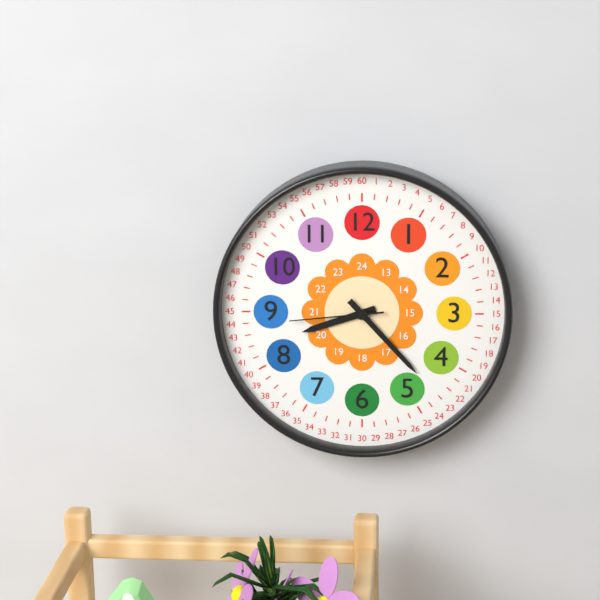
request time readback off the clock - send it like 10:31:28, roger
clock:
8:23:44
